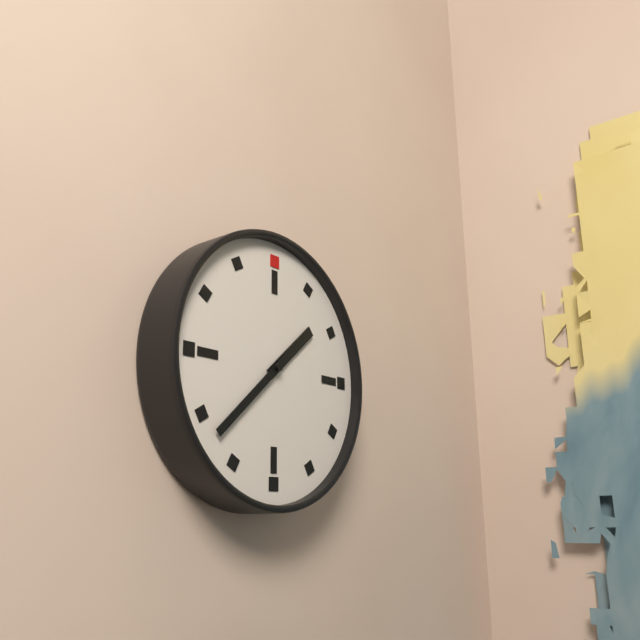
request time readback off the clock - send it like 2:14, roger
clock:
1:38
